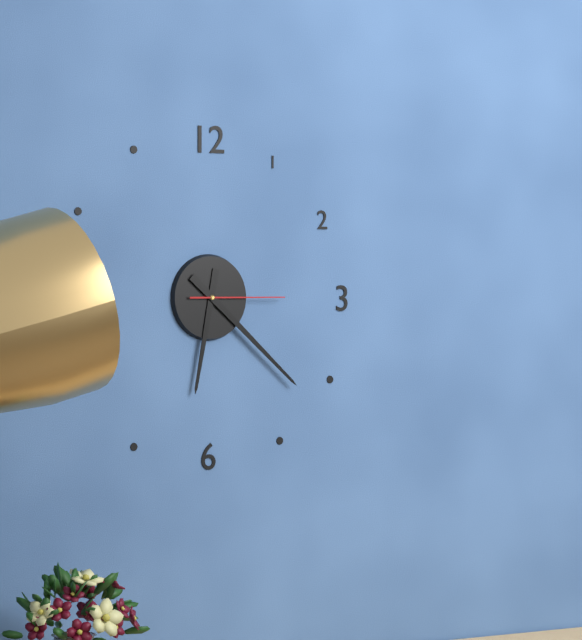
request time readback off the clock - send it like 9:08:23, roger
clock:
6:22:15
